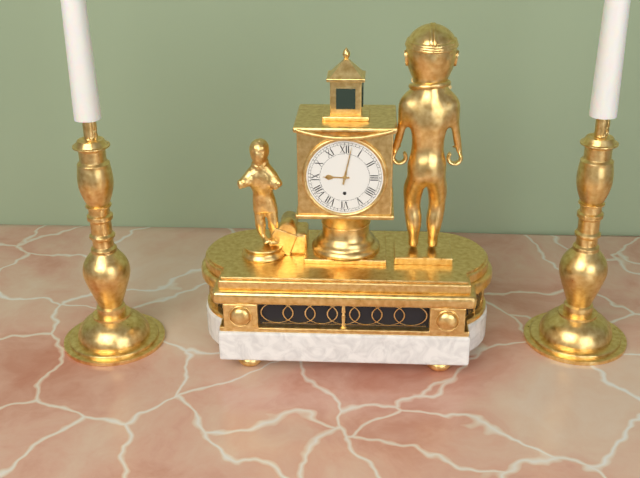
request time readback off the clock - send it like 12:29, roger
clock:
9:02
